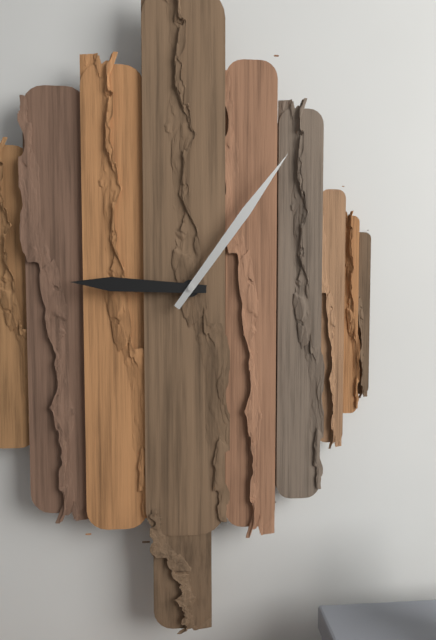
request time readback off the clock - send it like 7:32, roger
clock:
9:06
